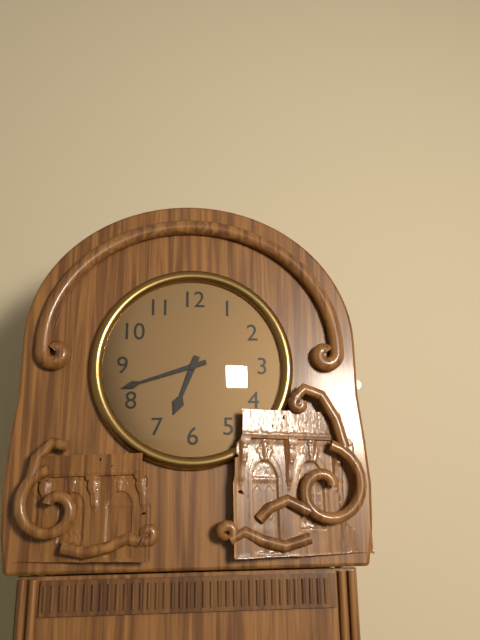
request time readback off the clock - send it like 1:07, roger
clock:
6:42
